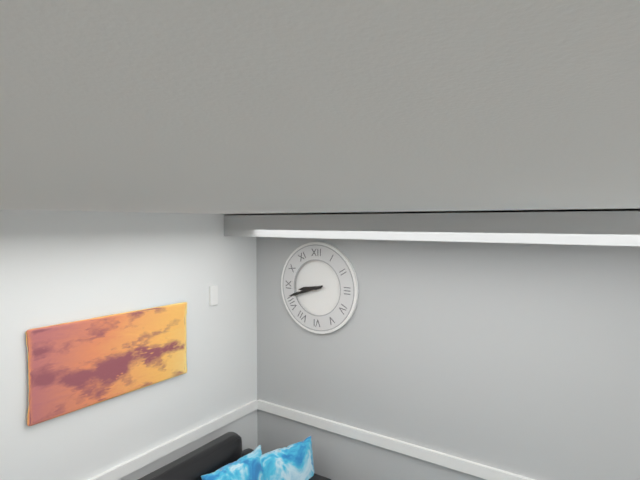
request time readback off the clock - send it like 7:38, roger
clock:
8:42
